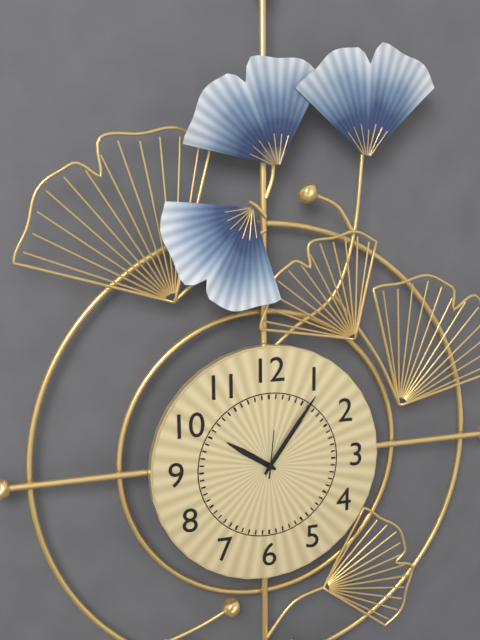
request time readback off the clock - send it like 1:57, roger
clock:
10:06
